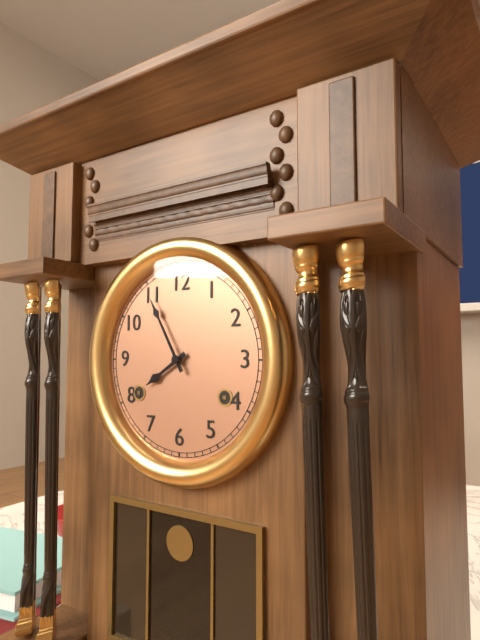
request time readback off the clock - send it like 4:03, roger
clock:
7:55
